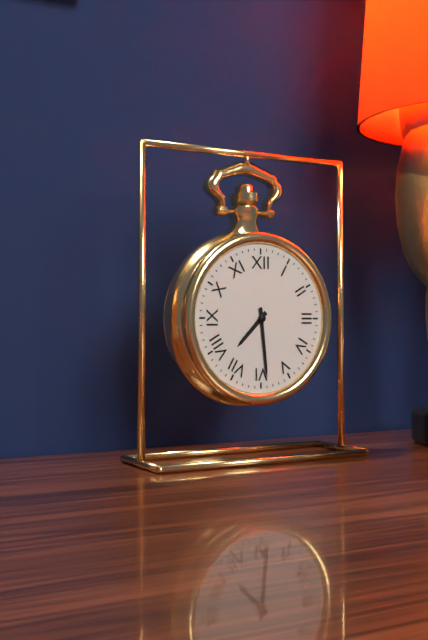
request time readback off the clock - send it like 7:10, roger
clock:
7:29
